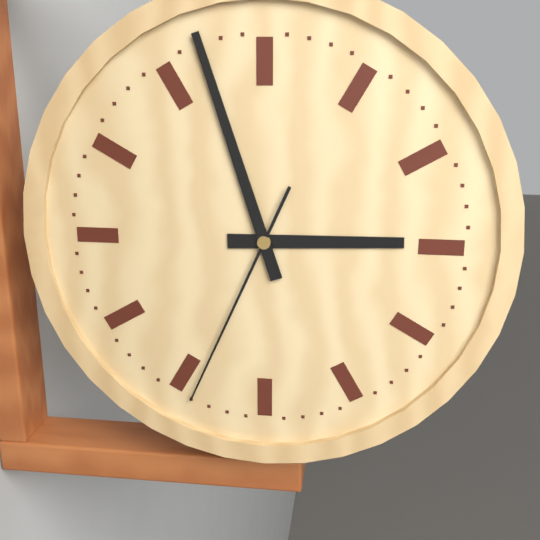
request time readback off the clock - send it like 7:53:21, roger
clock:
2:57:34
